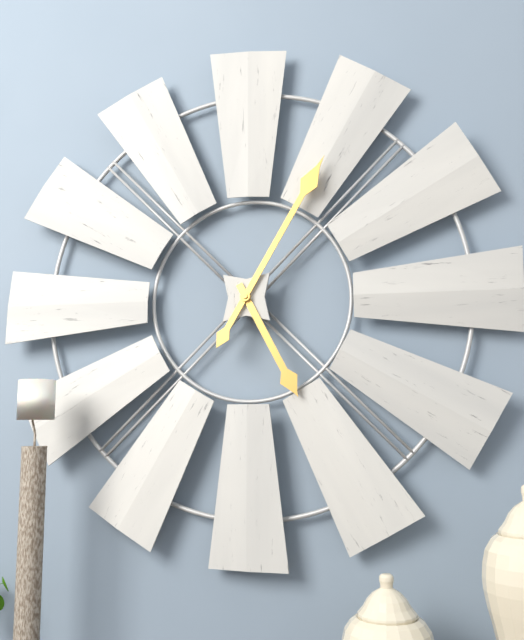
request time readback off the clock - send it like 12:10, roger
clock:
5:05
